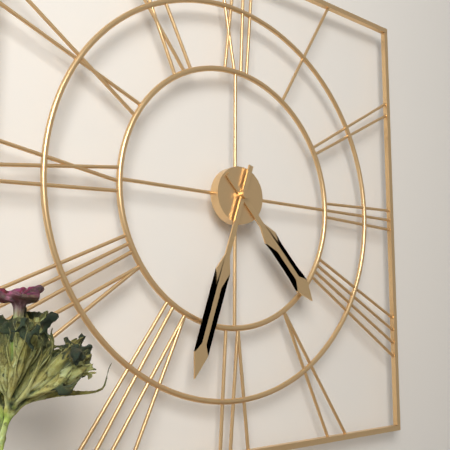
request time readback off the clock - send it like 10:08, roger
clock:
4:33
